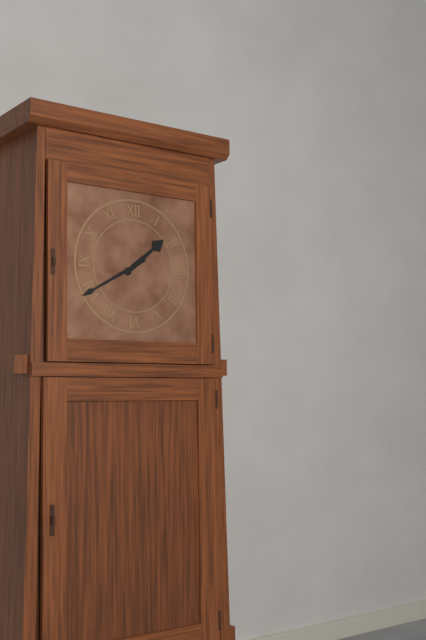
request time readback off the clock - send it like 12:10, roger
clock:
1:40
